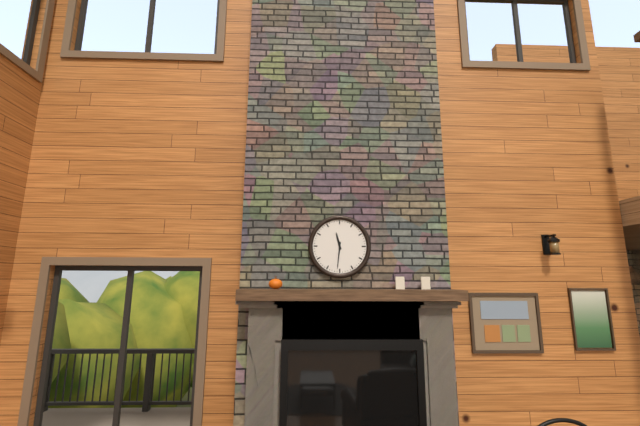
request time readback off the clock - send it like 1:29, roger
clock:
11:31
